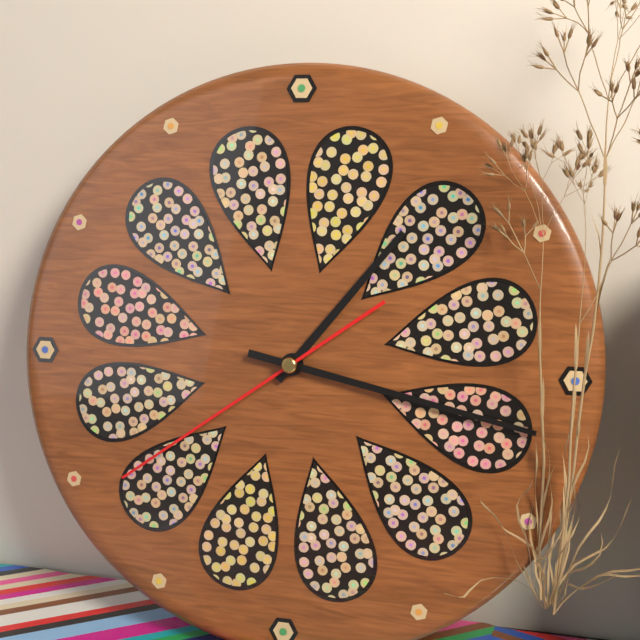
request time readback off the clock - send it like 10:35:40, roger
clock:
1:17:39
